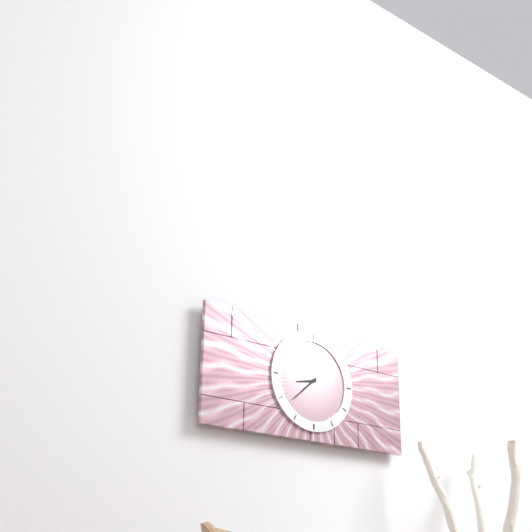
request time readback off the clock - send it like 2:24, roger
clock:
8:38
